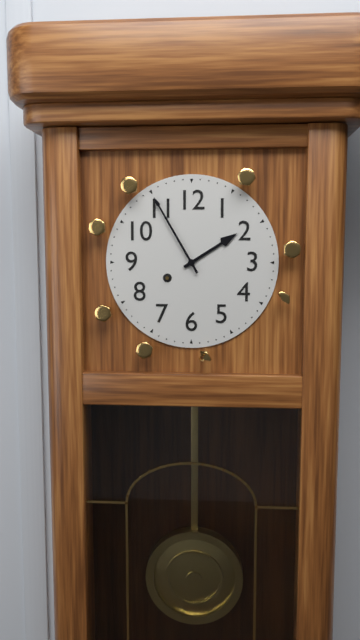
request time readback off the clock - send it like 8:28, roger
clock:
1:55
